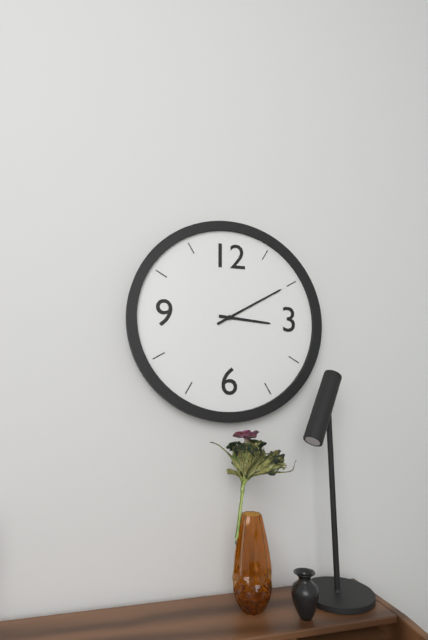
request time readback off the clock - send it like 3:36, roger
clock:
3:10
